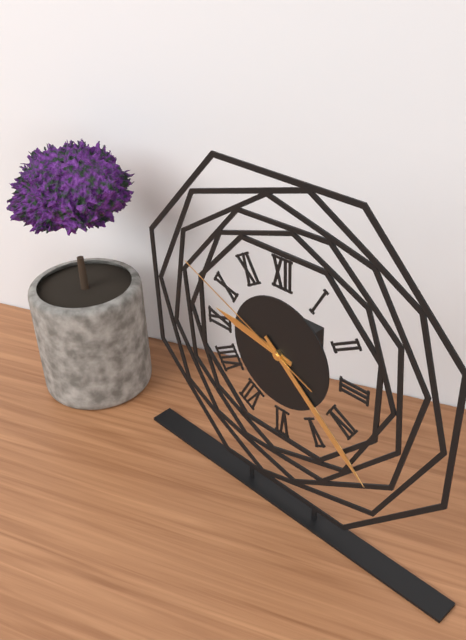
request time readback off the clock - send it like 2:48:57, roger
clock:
9:22:49
